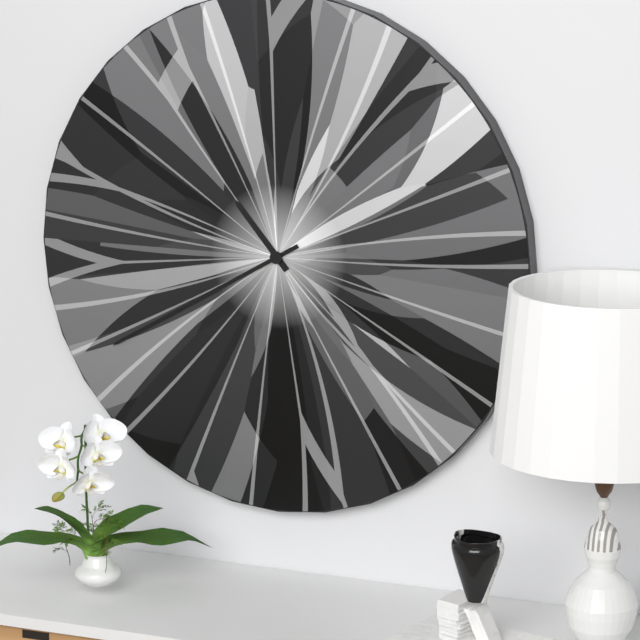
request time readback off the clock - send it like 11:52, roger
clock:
10:40
